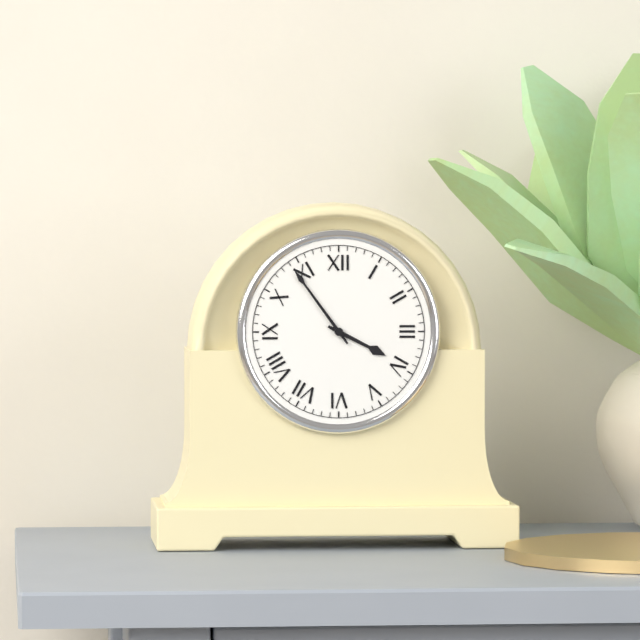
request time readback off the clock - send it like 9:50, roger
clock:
3:54
